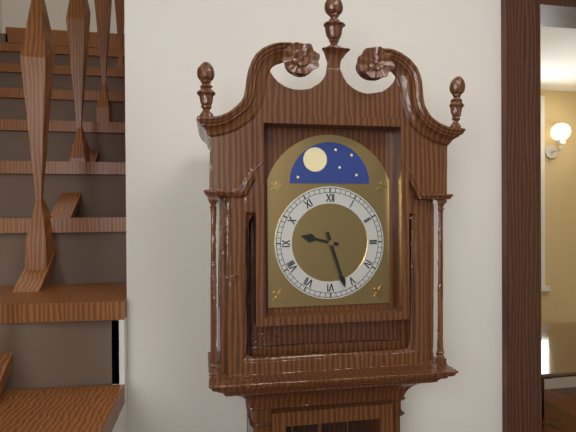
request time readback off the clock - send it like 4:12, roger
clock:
9:27
